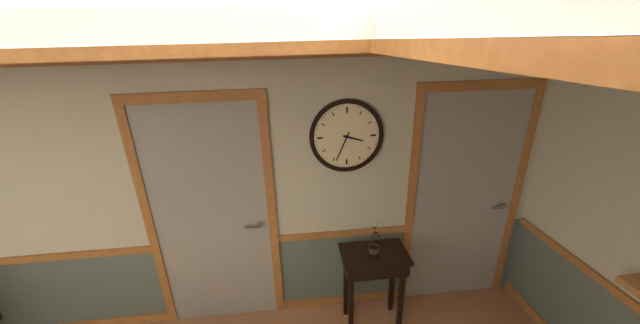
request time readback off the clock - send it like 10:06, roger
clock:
3:34
